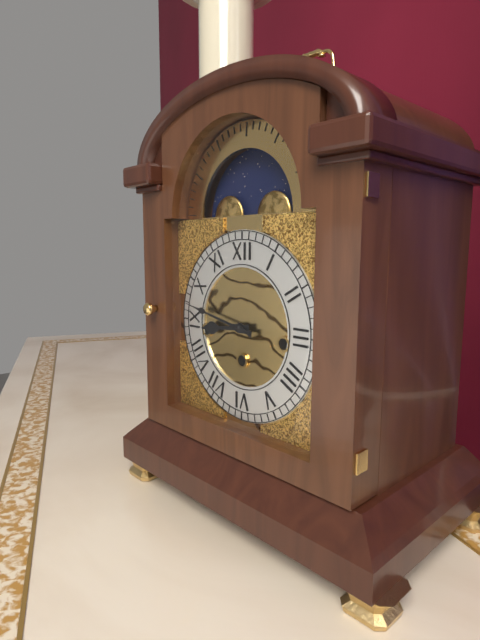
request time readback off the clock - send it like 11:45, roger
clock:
8:47
